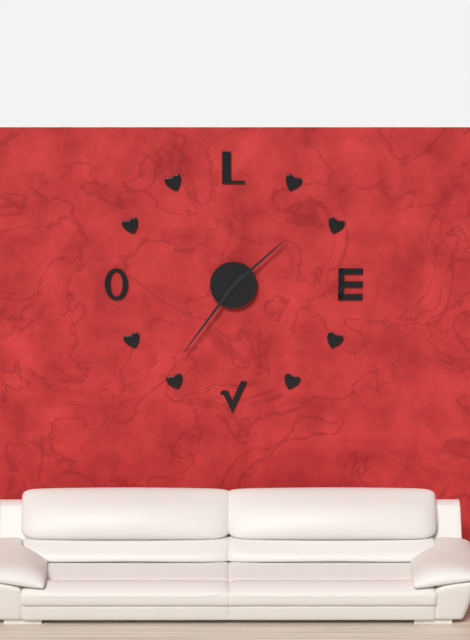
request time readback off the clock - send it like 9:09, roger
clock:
1:36
